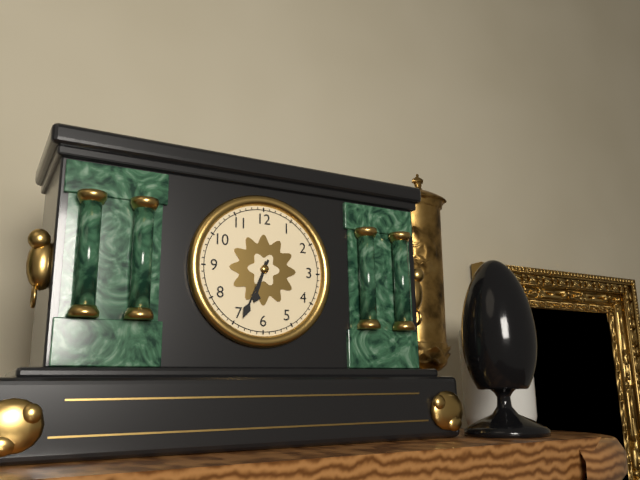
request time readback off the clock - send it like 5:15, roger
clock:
6:34
